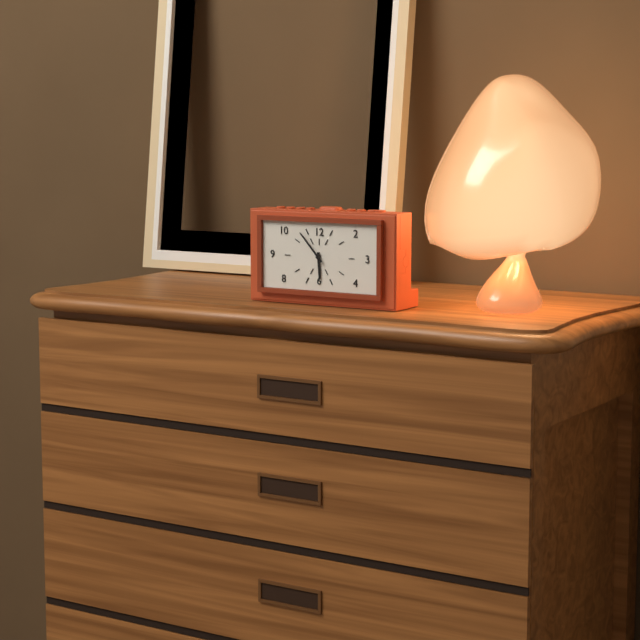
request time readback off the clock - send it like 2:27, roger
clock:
5:53
